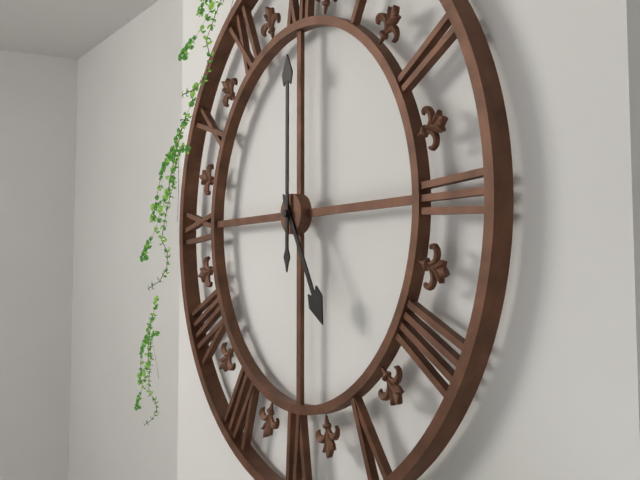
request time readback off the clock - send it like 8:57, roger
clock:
5:00
